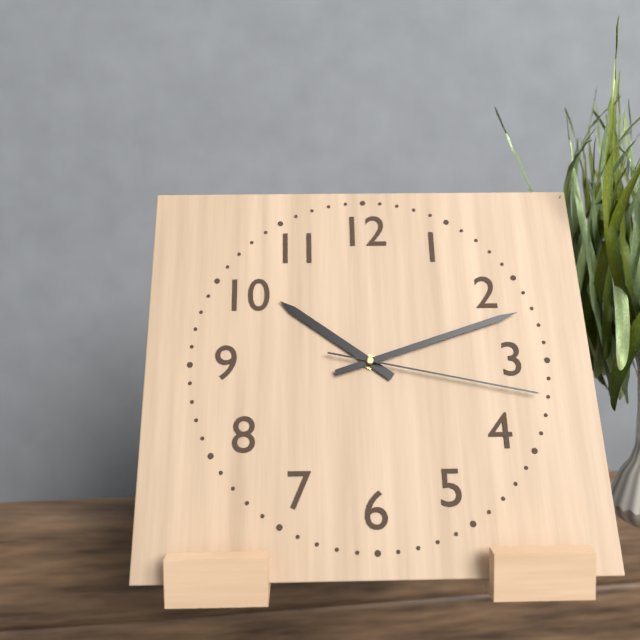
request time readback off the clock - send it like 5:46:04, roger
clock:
10:12:17
